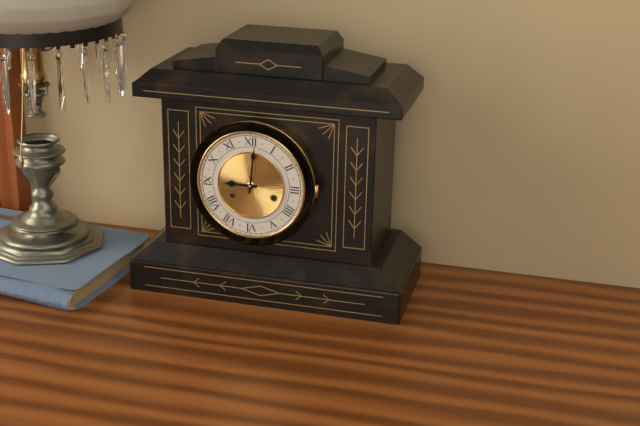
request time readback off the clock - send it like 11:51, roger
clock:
9:01
